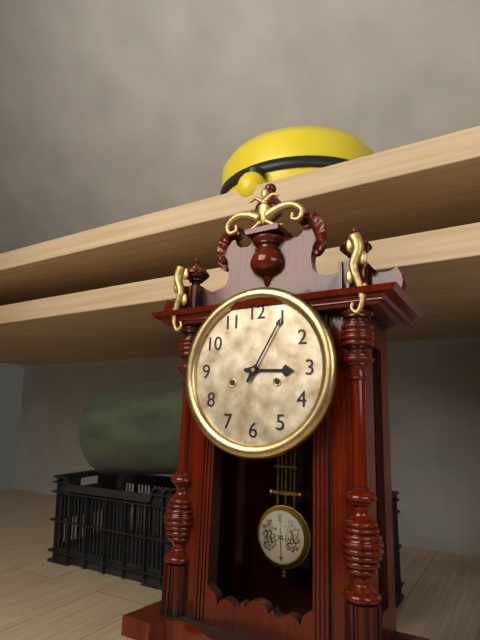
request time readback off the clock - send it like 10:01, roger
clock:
3:05
